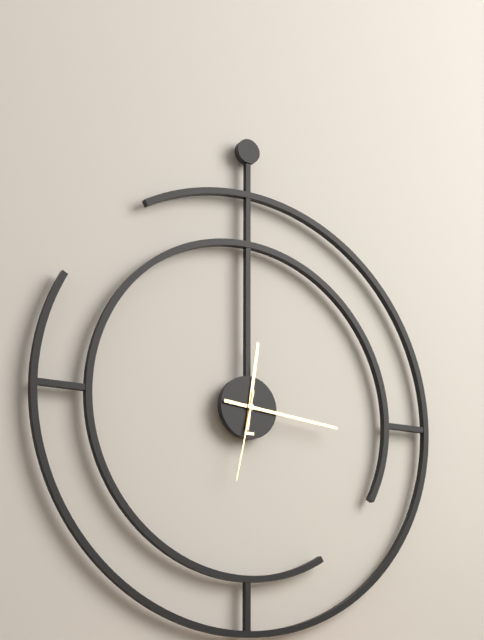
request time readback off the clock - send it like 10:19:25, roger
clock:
12:16:32
